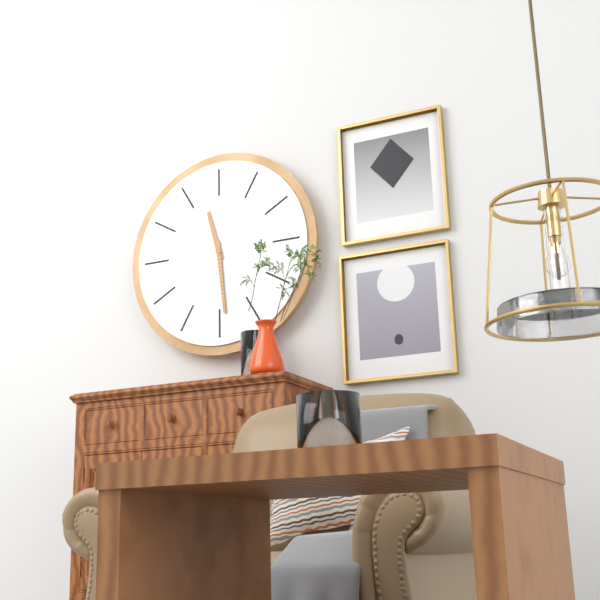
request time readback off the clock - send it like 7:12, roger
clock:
11:29
